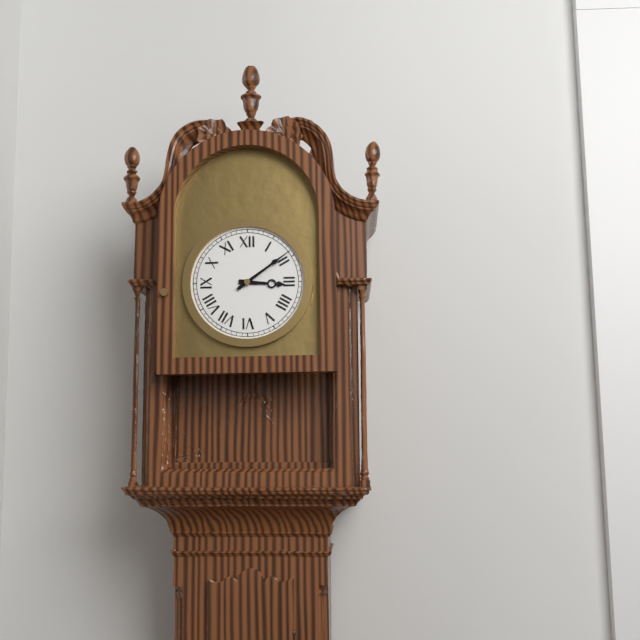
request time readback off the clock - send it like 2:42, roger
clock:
3:09
